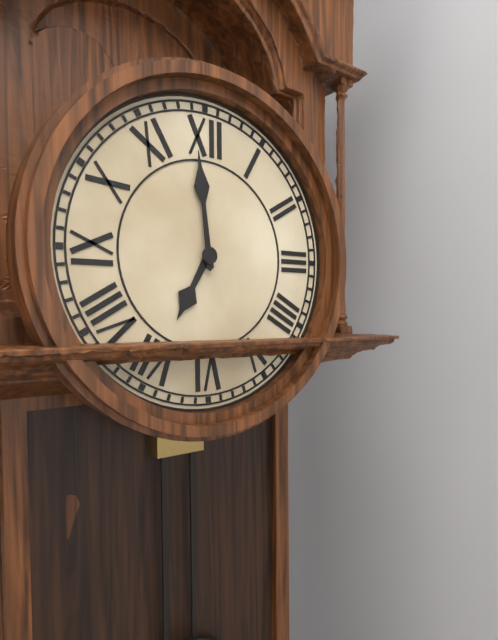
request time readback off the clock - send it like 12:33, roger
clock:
6:59
